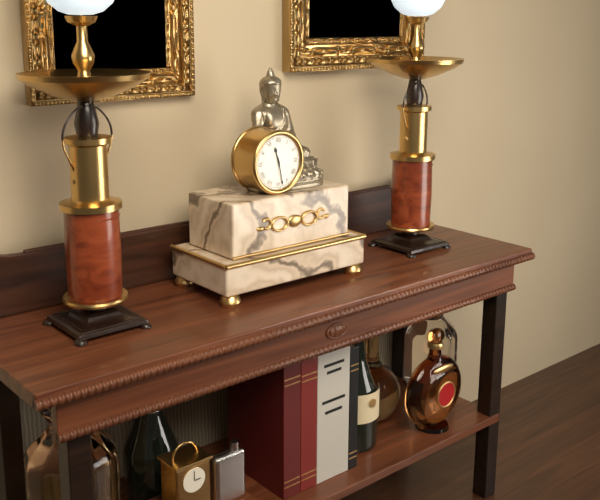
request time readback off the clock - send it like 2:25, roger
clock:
11:28
